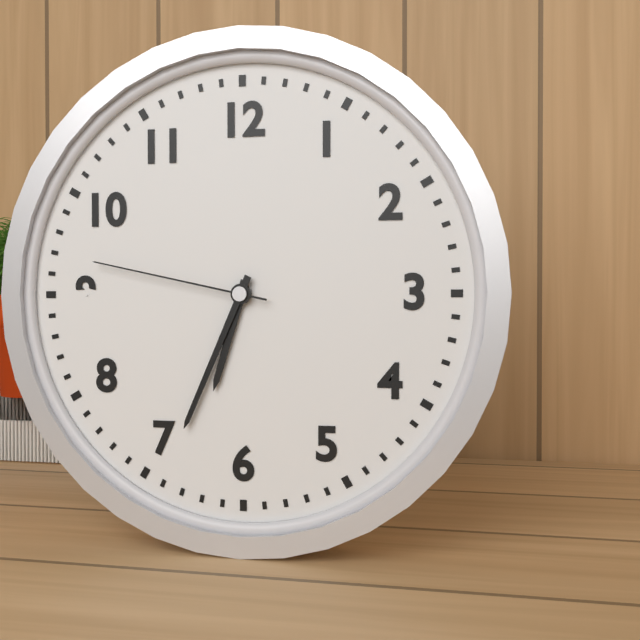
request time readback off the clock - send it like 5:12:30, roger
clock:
6:34:47
